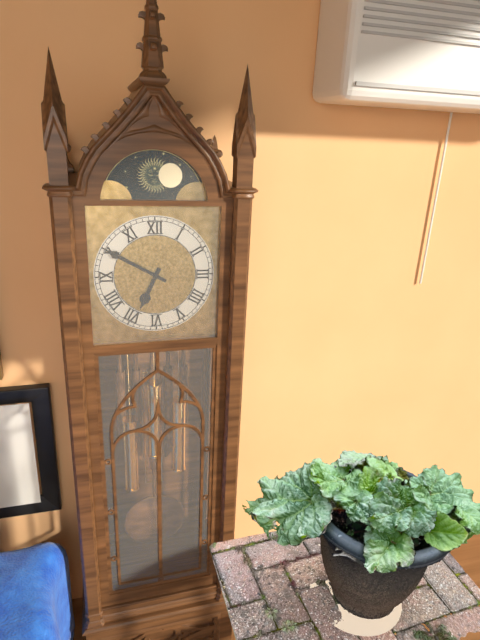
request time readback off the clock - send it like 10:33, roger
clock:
6:50
